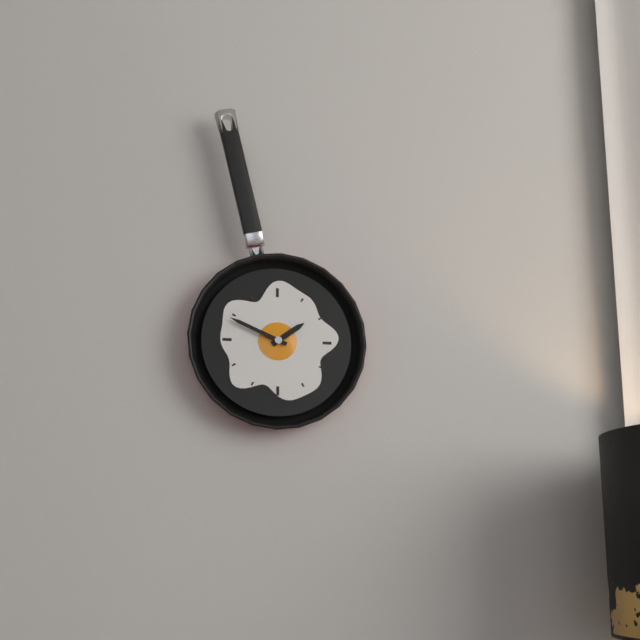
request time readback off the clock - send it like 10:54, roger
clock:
1:49
